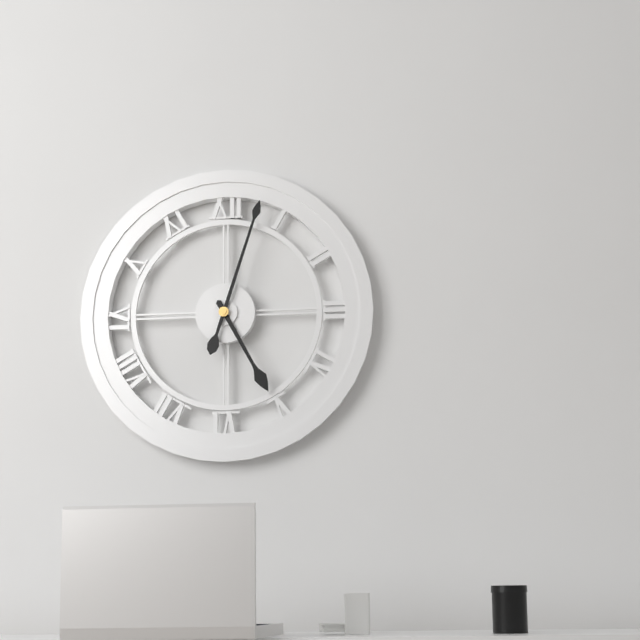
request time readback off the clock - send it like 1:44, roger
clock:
5:03
